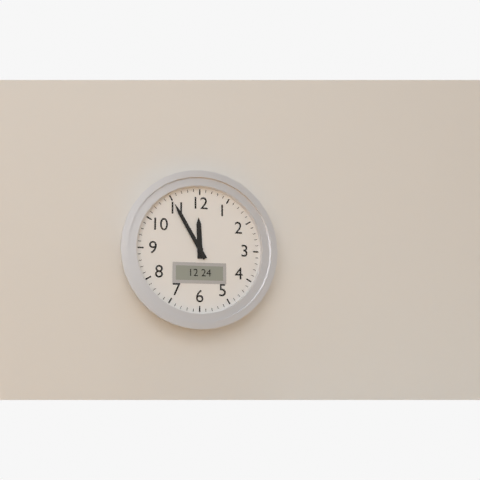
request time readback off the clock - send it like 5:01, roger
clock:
11:55
